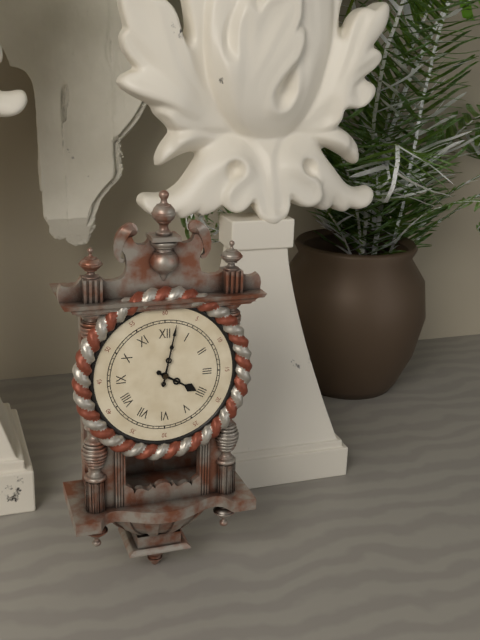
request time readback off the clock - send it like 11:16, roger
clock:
4:02
